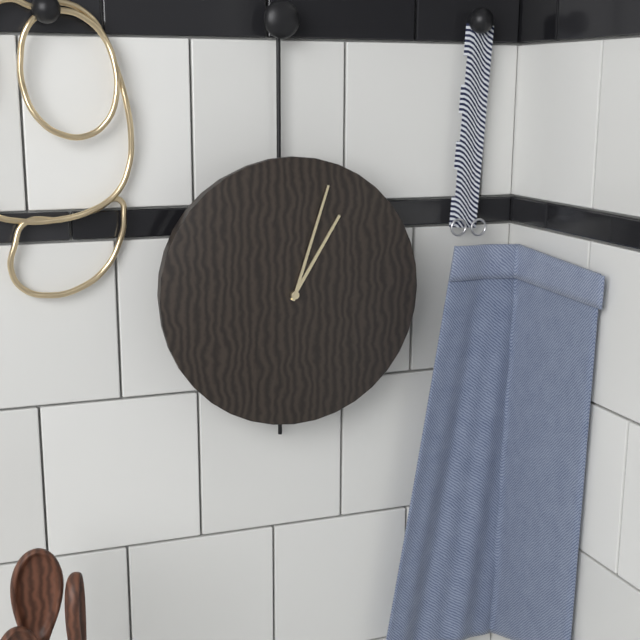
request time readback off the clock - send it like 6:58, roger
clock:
1:03
